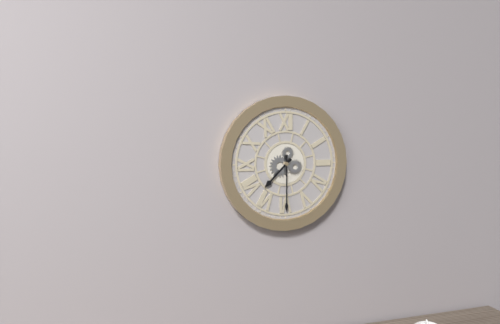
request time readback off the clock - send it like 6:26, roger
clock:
7:30
